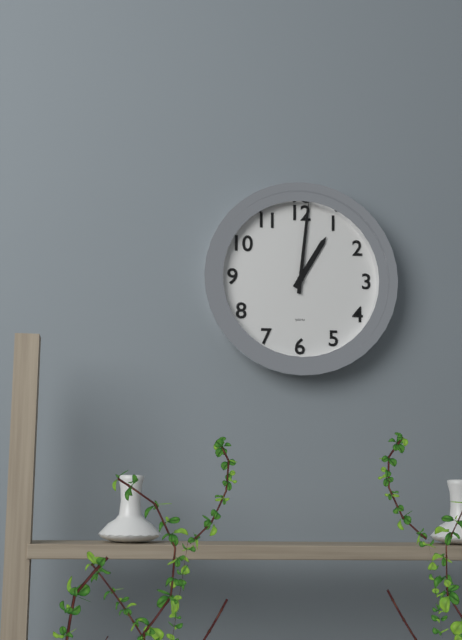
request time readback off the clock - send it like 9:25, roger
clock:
1:01
